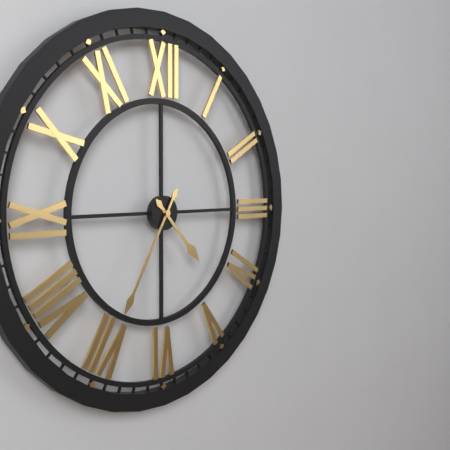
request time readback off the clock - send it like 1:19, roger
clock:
4:35
